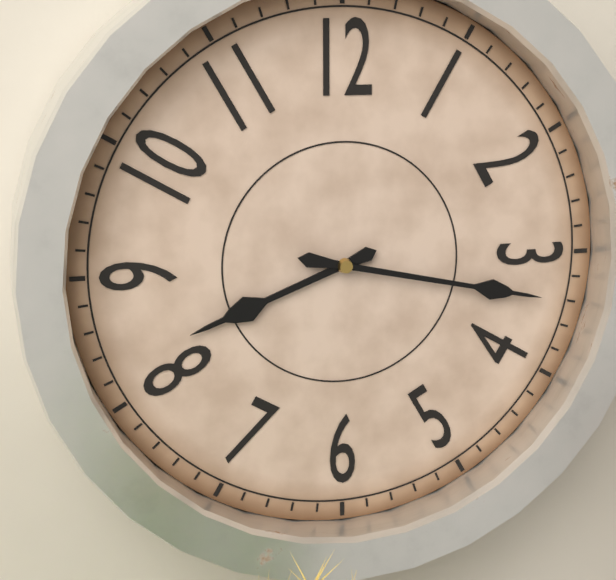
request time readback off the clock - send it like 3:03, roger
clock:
8:17
